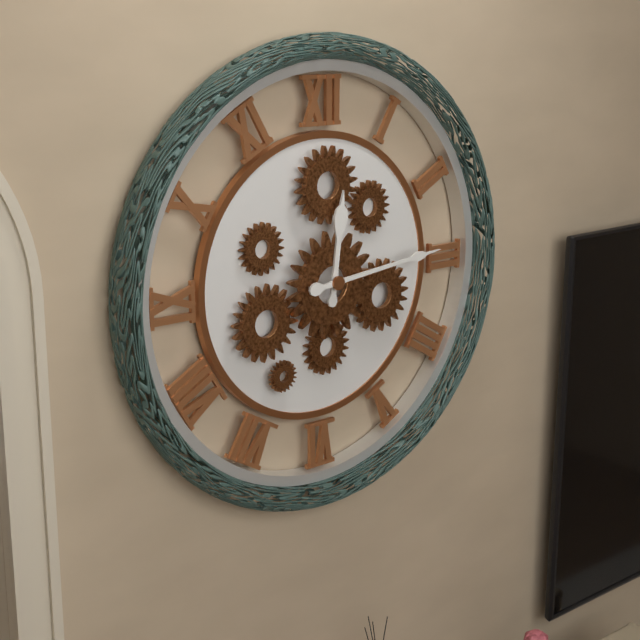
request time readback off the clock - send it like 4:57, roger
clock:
12:14
